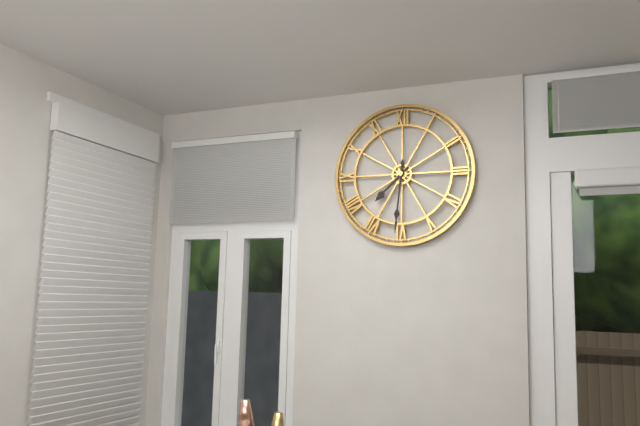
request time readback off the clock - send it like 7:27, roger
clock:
7:31
